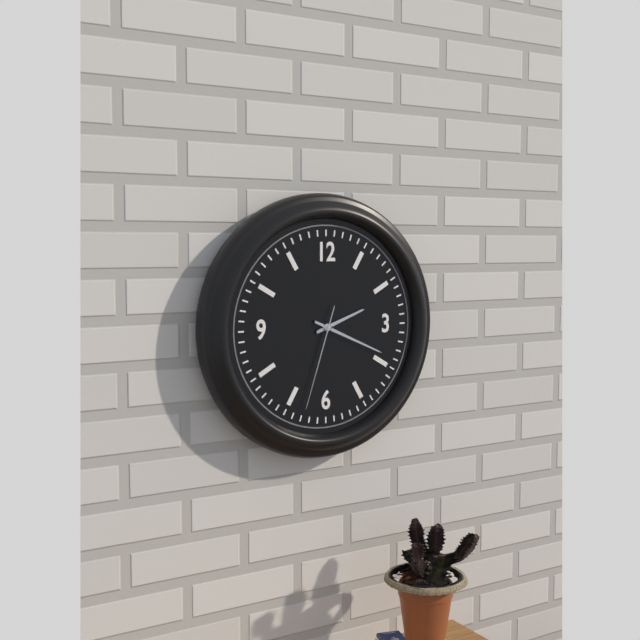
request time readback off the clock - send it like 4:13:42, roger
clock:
2:19:33
